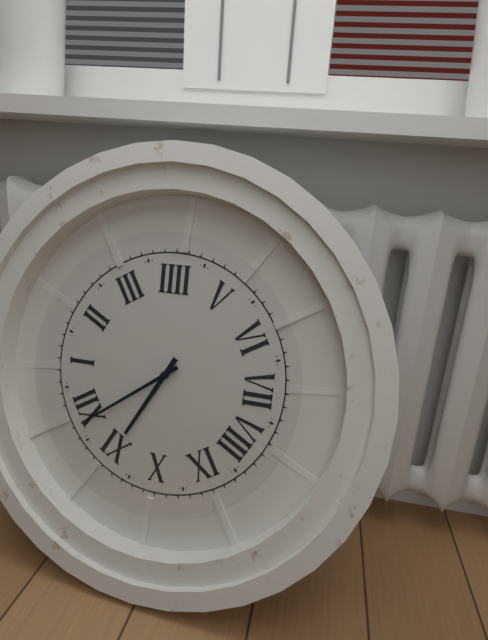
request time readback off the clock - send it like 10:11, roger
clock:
10:59
